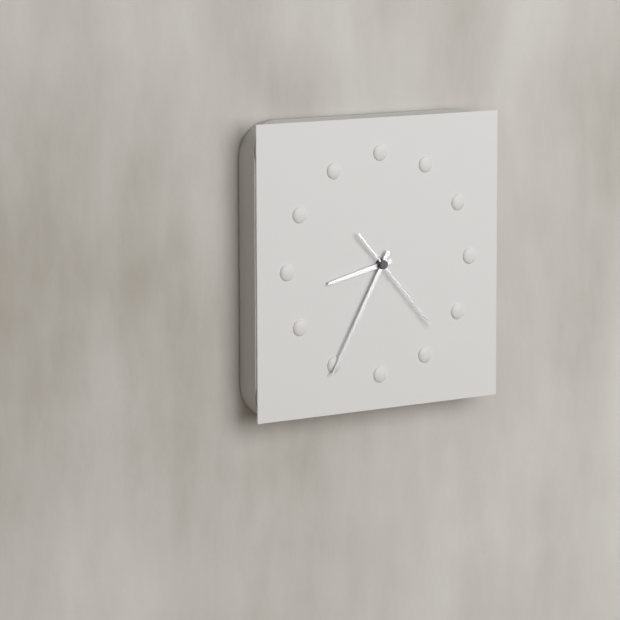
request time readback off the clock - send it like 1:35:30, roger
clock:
8:35:23
